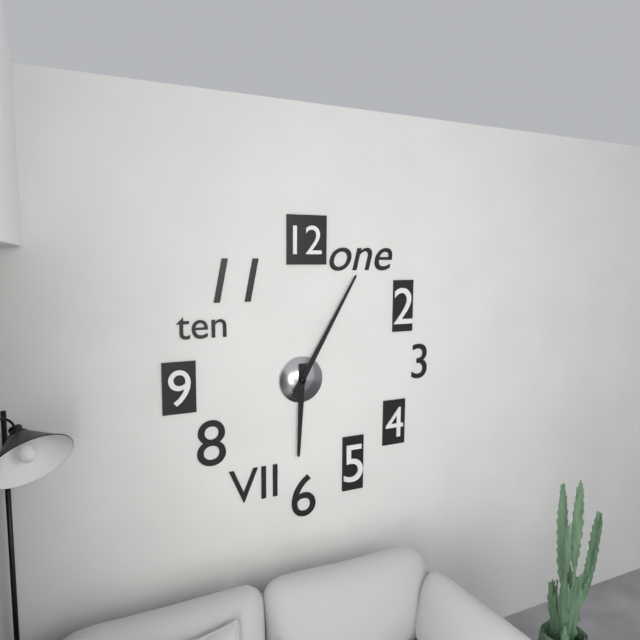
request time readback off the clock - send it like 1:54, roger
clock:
6:05
